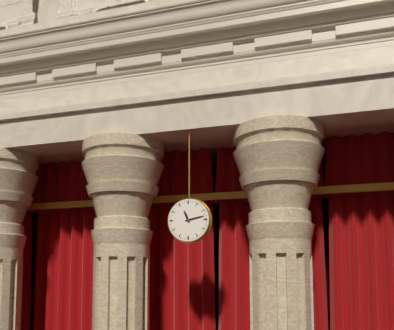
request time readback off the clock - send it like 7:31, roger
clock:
11:13
